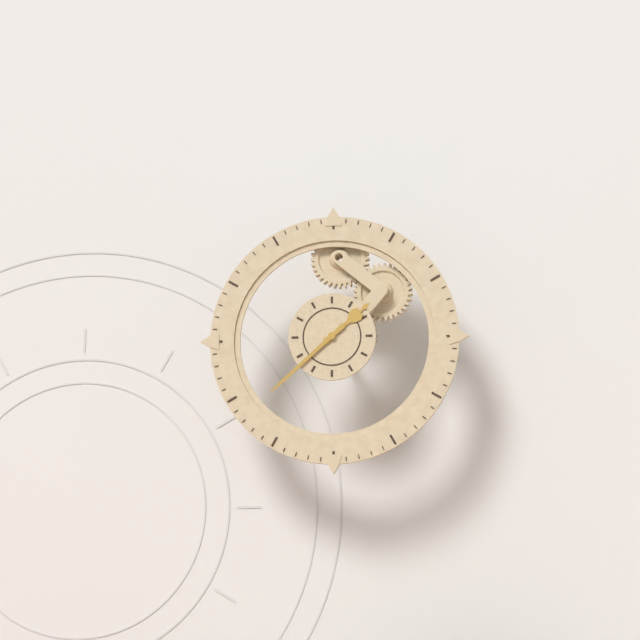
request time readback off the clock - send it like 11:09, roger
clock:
1:38
